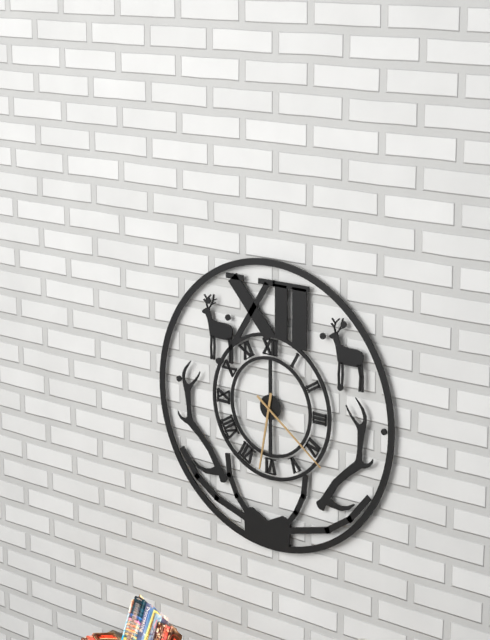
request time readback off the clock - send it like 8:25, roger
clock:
6:21
